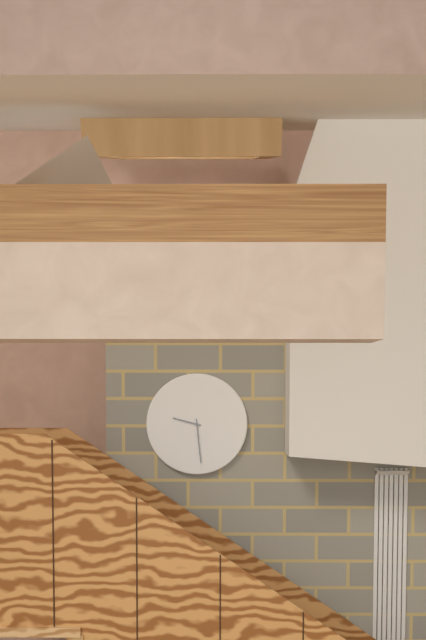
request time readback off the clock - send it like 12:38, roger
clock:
9:29
